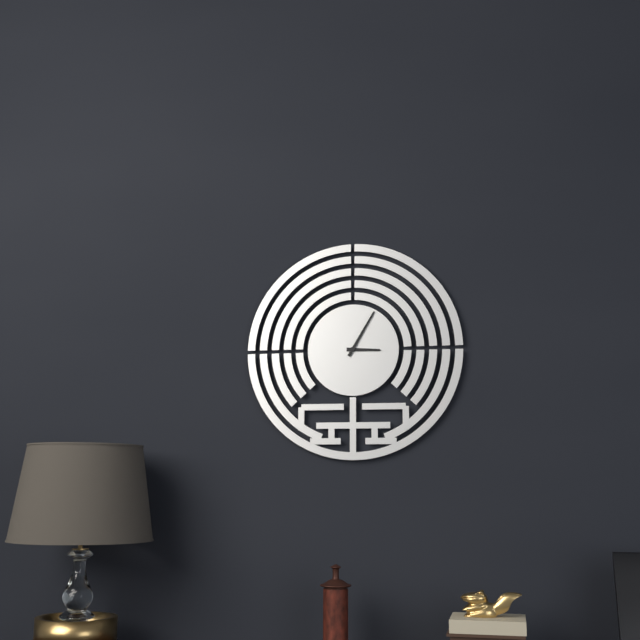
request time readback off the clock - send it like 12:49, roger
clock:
3:05
